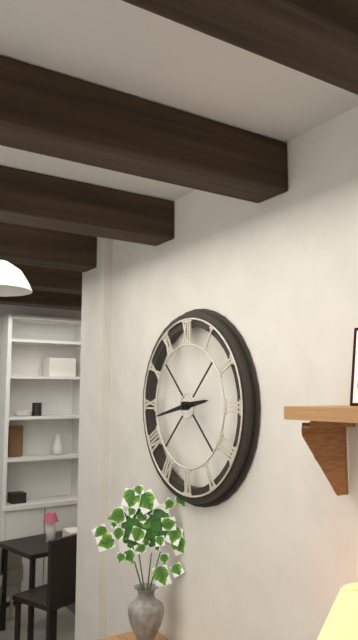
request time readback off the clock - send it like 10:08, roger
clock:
2:43
